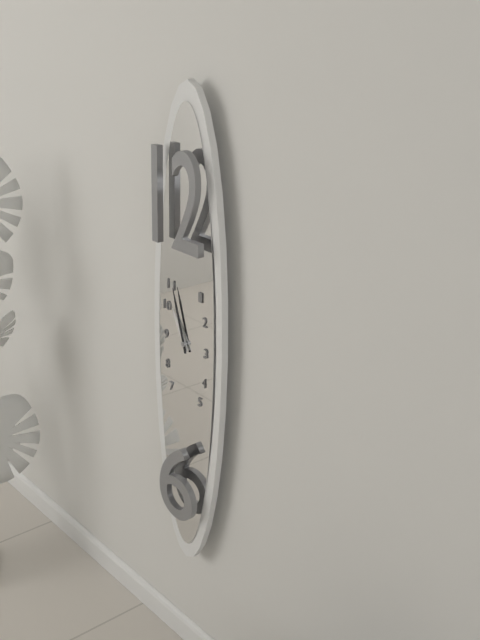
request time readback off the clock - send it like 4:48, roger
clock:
10:57
